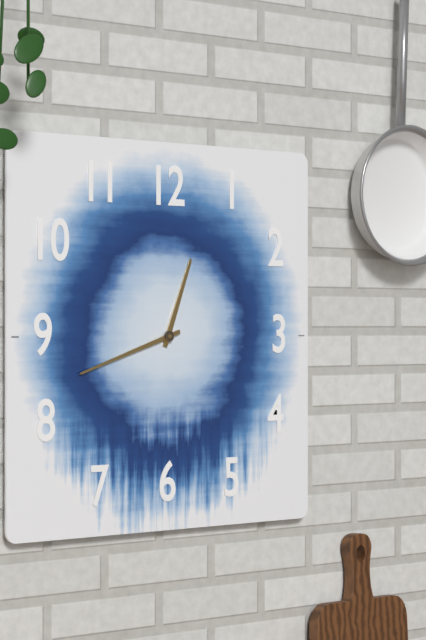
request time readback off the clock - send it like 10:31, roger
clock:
12:42
